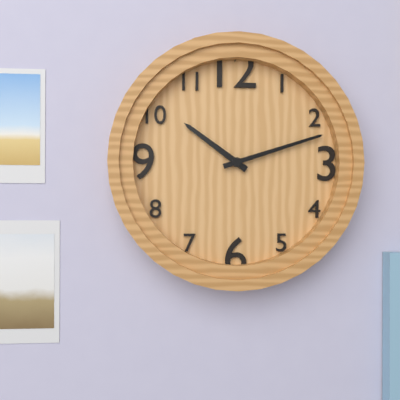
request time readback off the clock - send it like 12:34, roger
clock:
10:12
